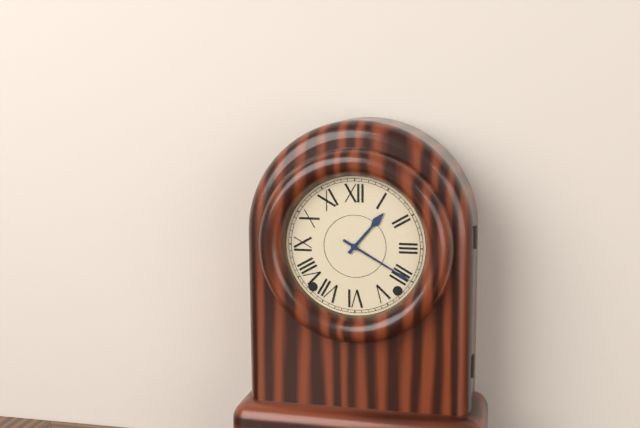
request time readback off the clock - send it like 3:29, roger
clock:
1:20
